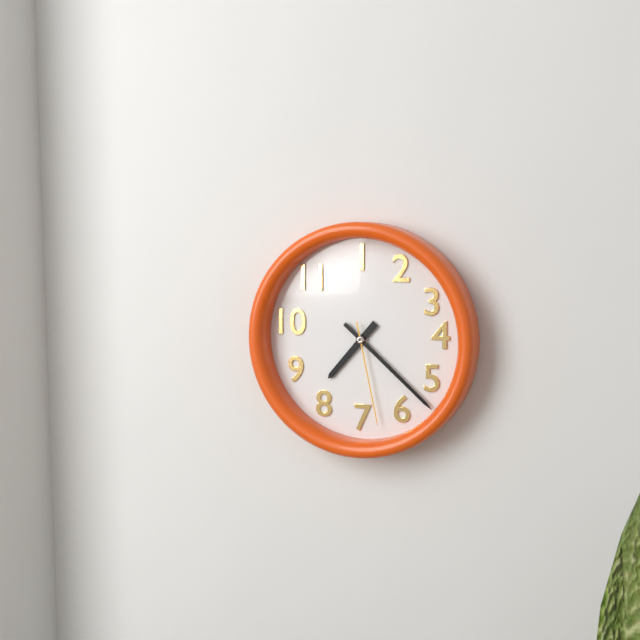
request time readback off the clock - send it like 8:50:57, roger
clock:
7:22:28
